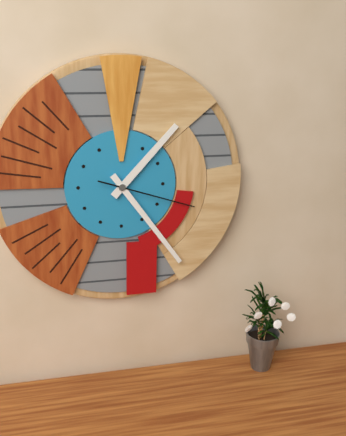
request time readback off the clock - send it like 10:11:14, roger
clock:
1:24:18
